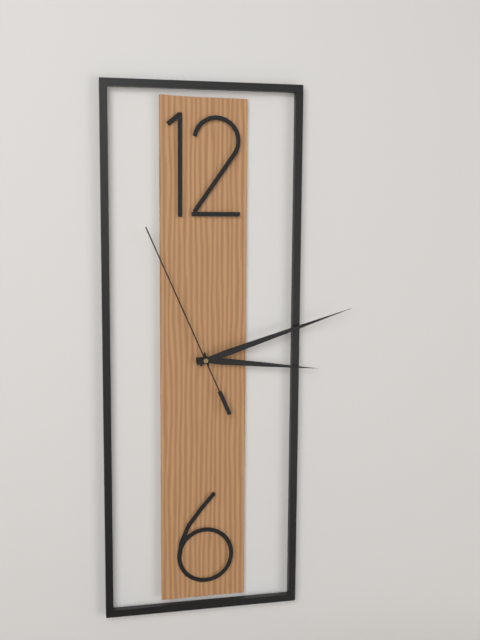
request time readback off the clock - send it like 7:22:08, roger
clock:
3:12:56
